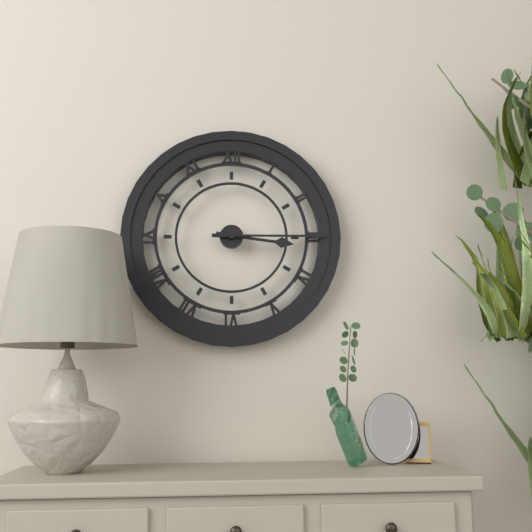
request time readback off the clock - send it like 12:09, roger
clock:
3:15
